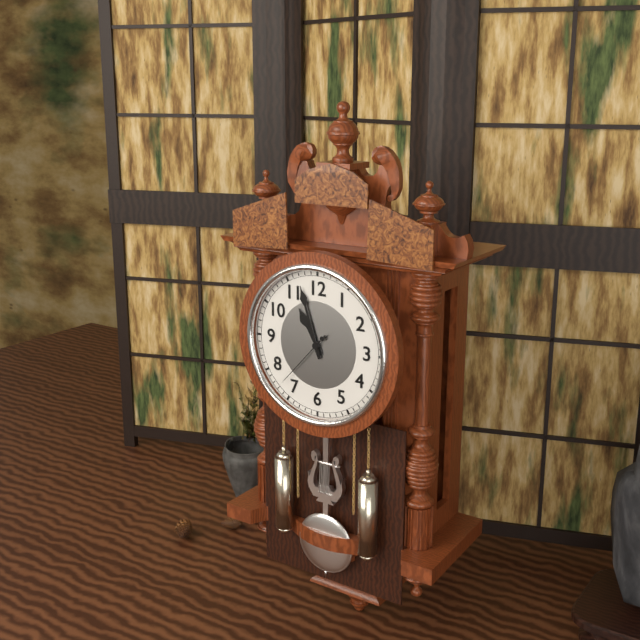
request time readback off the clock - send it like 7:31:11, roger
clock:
10:57:37
